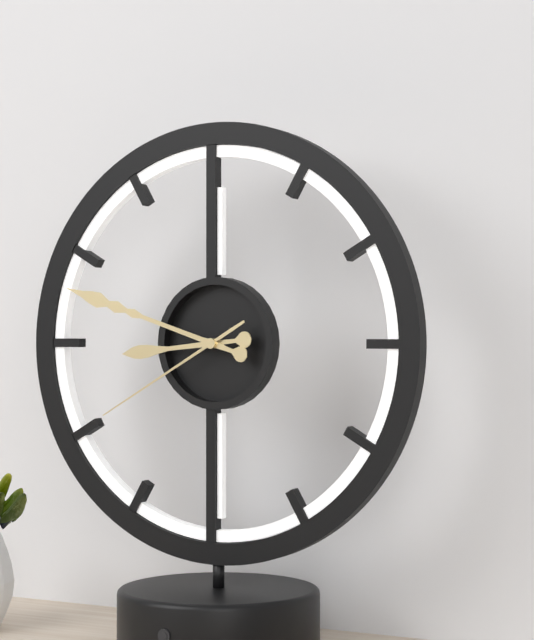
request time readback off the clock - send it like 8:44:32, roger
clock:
8:48:40
